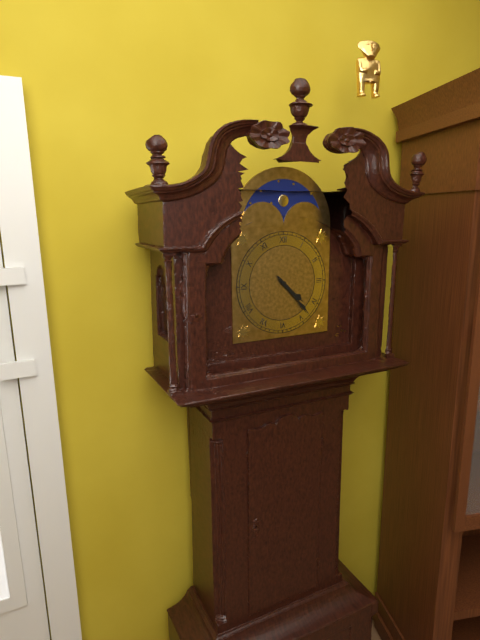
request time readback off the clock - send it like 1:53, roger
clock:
4:23
